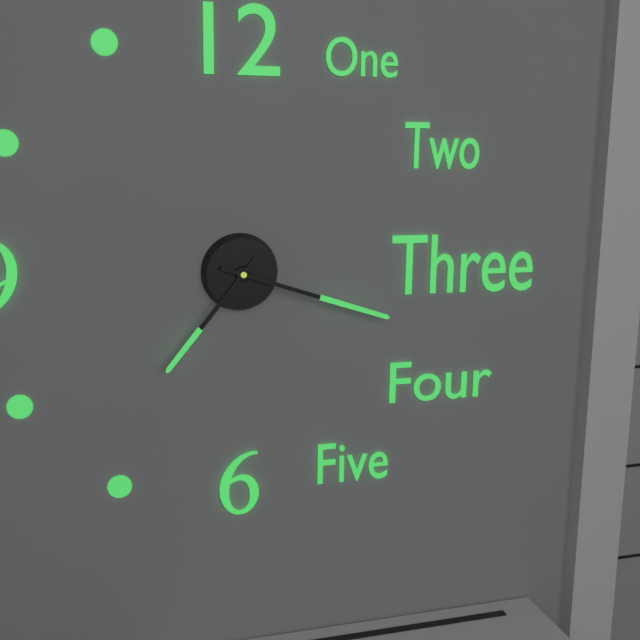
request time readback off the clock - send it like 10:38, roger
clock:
7:18
